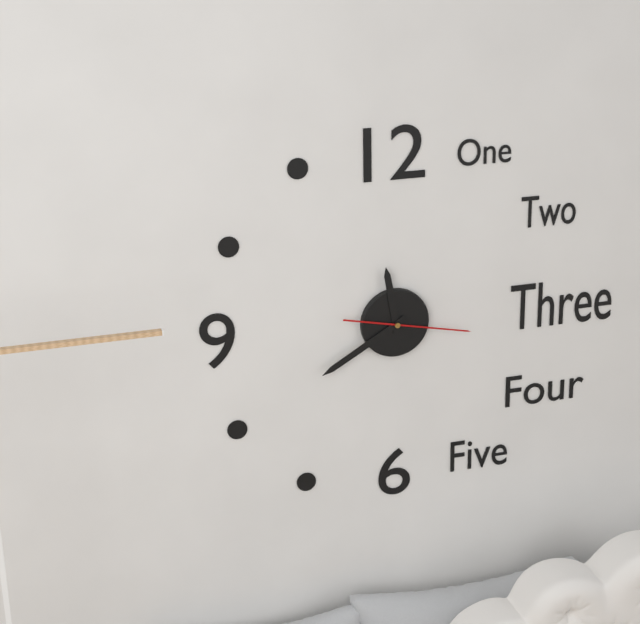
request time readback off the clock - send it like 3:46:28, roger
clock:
11:40:17
